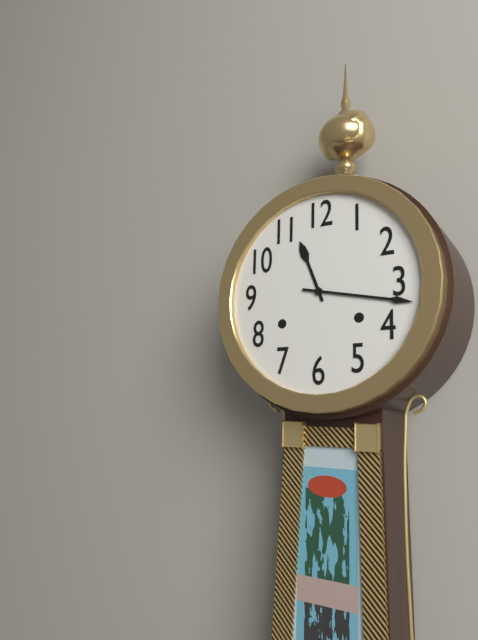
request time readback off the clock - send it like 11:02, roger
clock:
11:17
